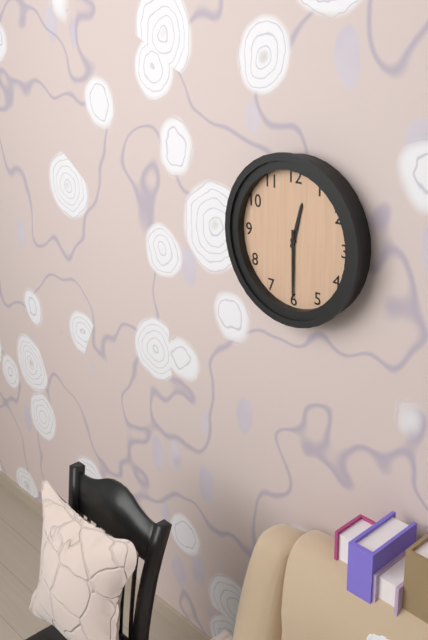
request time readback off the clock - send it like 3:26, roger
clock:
12:30
